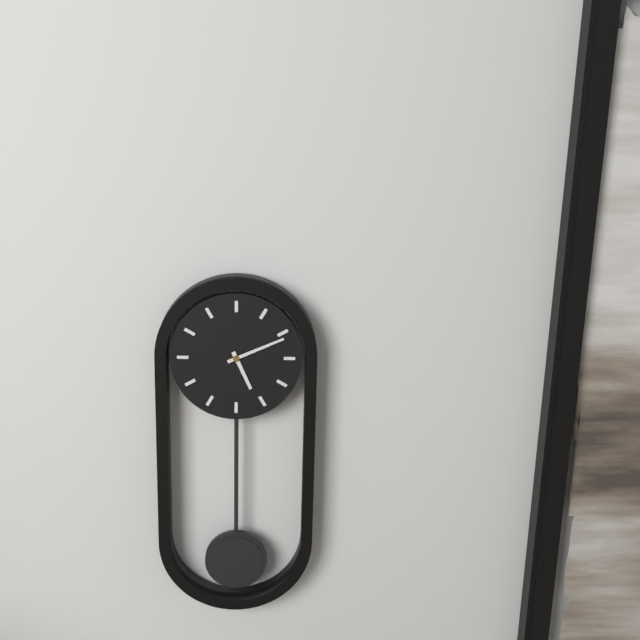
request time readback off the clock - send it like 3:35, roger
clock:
5:11
